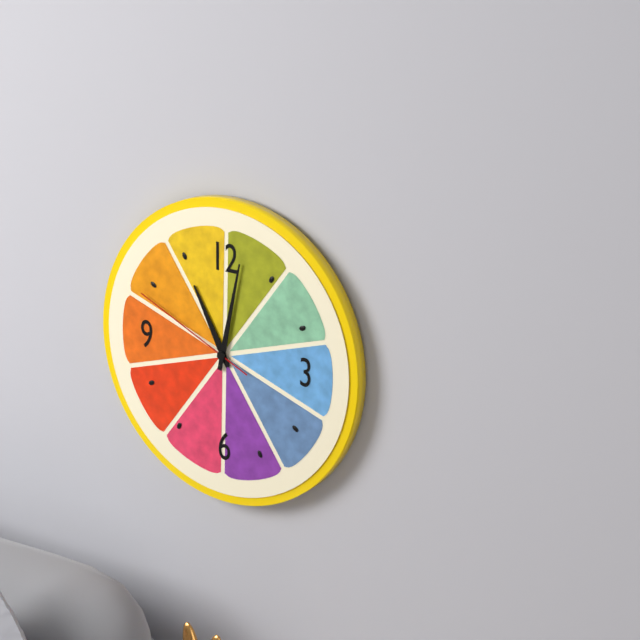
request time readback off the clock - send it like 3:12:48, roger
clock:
11:02:49
